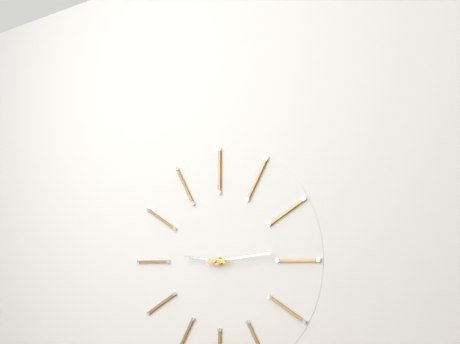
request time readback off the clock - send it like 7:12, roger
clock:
9:14
